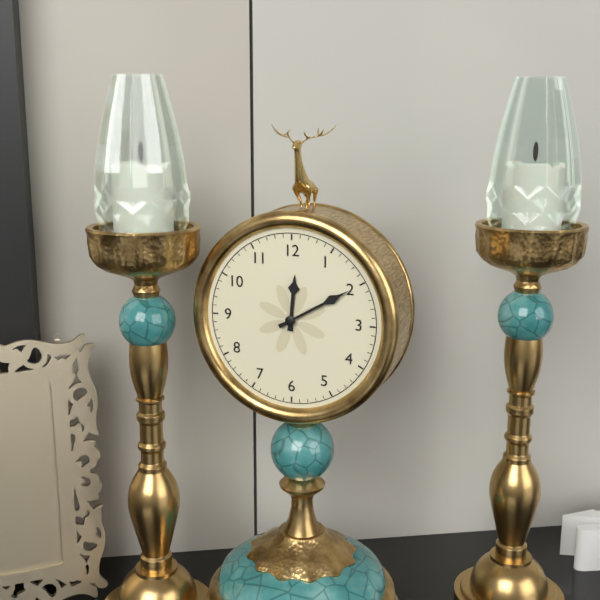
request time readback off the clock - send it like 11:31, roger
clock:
12:10
